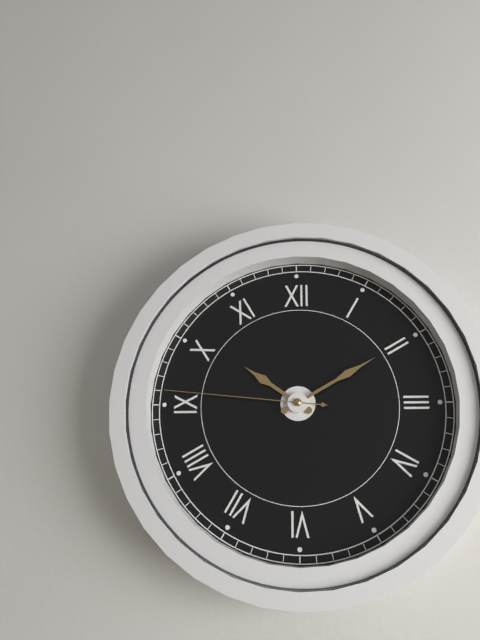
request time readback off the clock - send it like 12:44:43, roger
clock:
10:10:46
